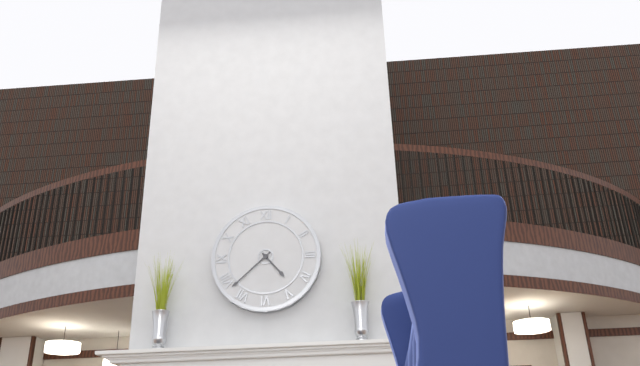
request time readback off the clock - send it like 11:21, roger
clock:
4:38
